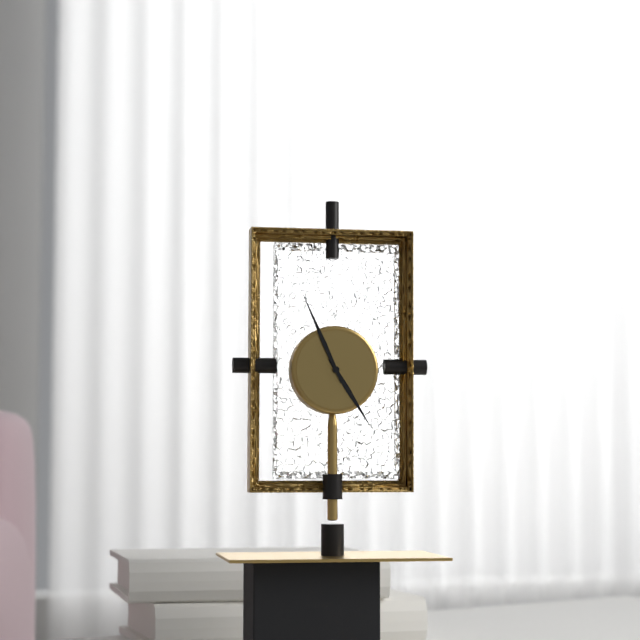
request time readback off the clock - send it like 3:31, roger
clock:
4:56
